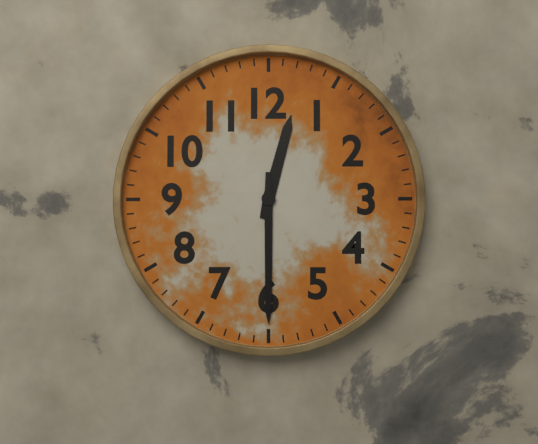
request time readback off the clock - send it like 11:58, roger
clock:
12:30
